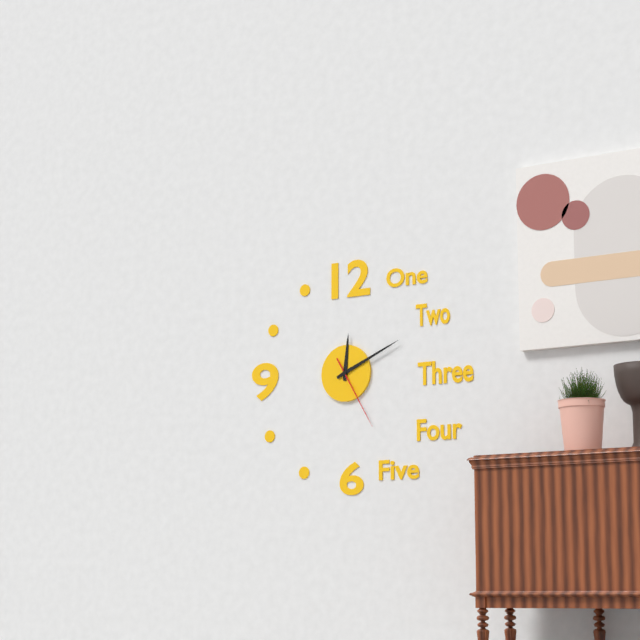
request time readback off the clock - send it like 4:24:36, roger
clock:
12:11:25
